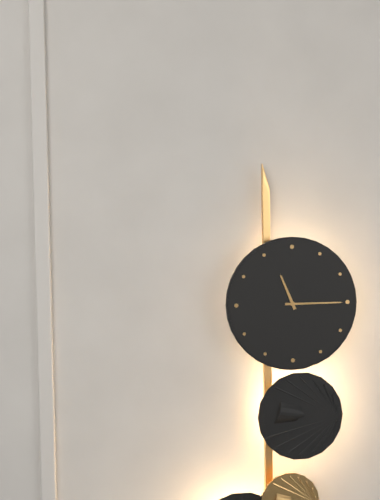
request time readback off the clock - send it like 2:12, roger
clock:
11:15
